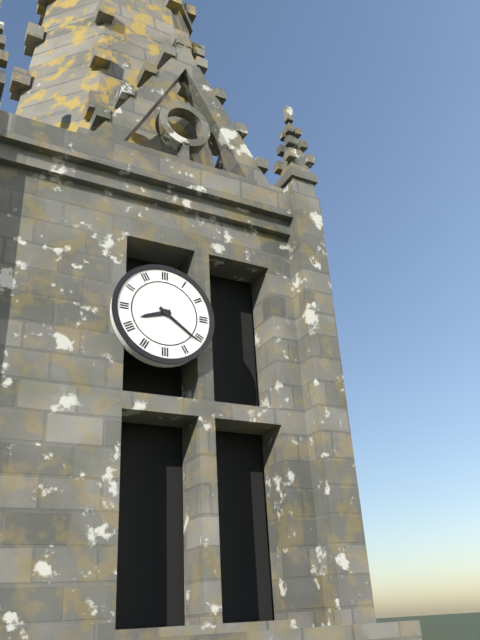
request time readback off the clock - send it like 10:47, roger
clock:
8:21
